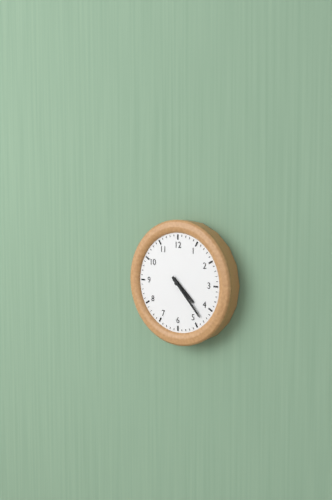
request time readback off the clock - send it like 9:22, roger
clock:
4:23
